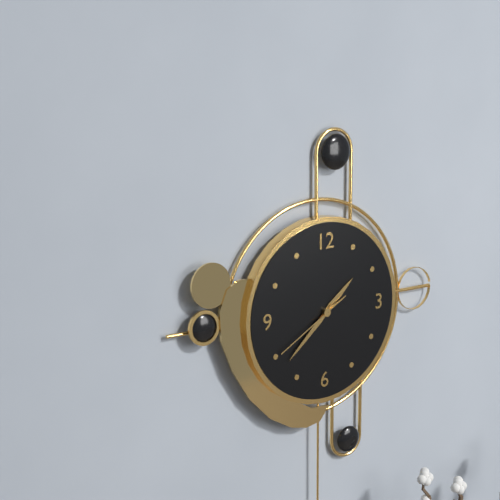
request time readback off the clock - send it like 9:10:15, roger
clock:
1:38:40
